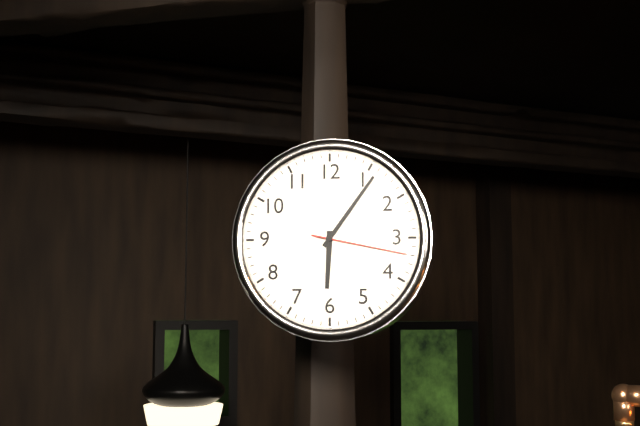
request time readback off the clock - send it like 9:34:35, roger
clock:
6:06:17
